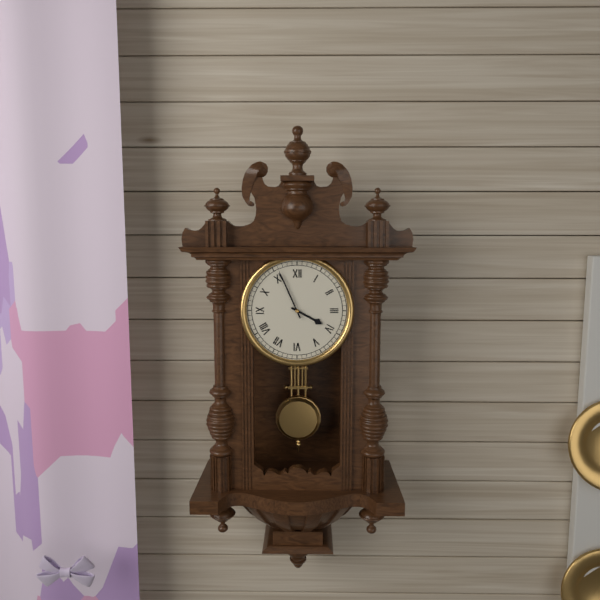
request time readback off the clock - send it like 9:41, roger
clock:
3:56
